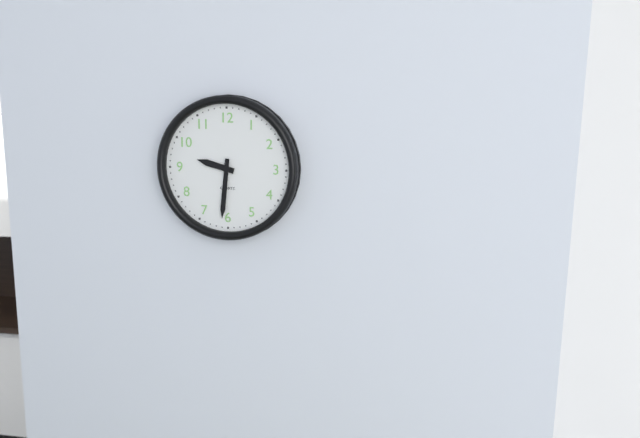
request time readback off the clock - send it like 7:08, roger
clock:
9:31
